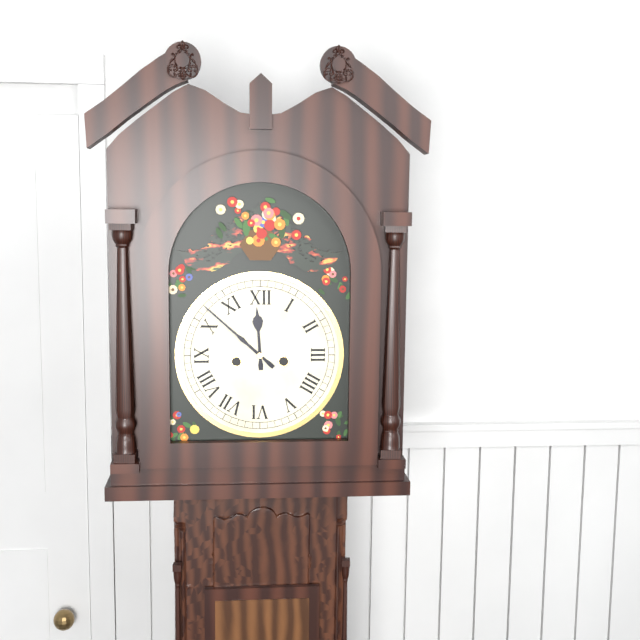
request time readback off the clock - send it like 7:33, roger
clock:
11:52
